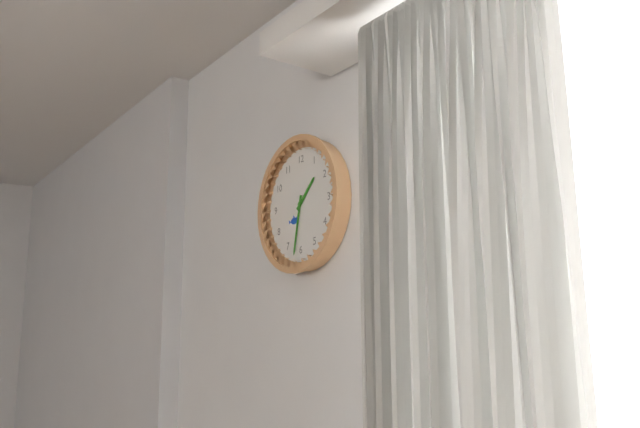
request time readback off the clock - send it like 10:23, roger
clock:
1:32
